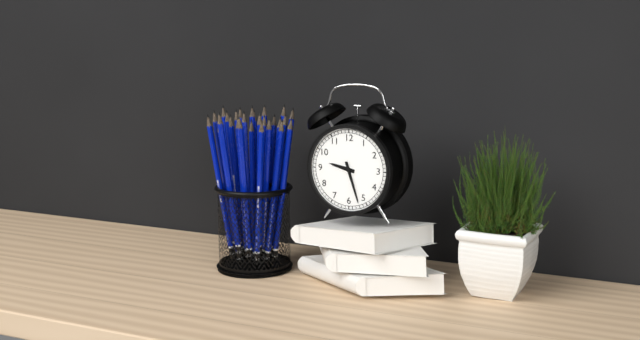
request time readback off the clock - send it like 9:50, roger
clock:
9:27
